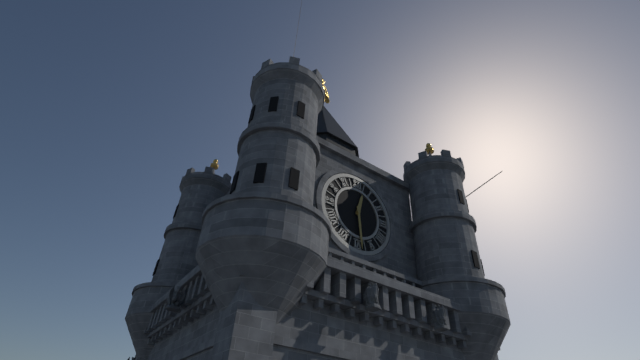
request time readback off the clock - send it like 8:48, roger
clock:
12:29
